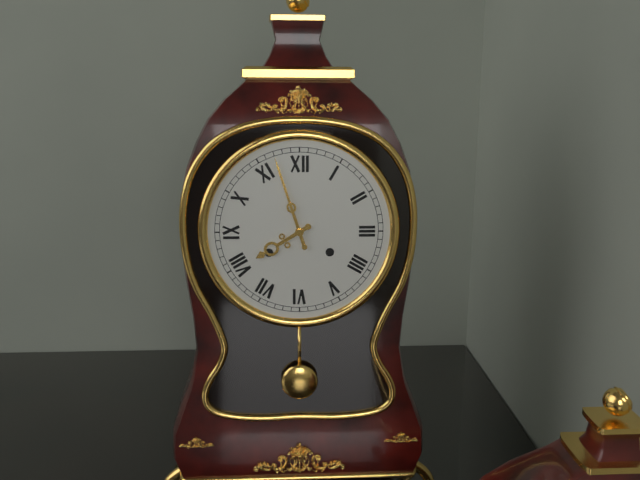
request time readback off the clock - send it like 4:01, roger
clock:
7:57
